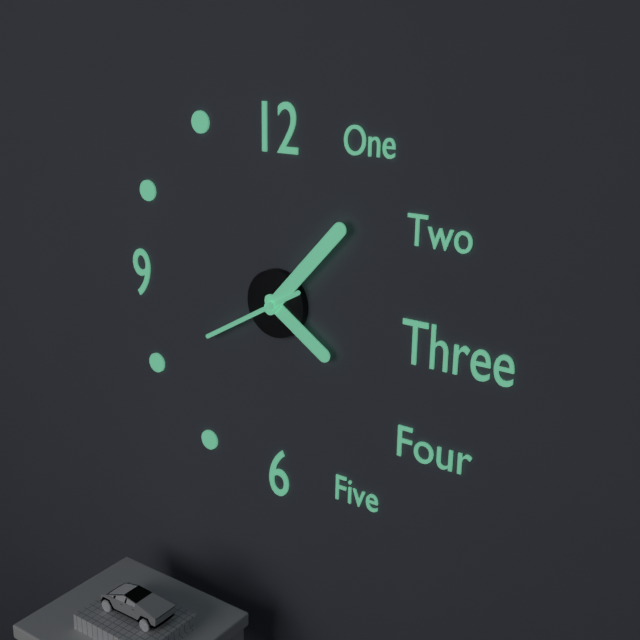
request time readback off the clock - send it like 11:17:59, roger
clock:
4:07:40
